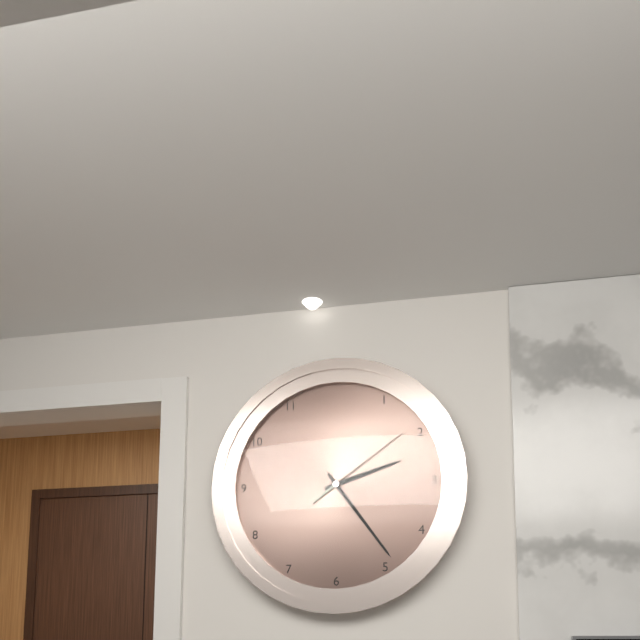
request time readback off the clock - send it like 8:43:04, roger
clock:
2:24:09
